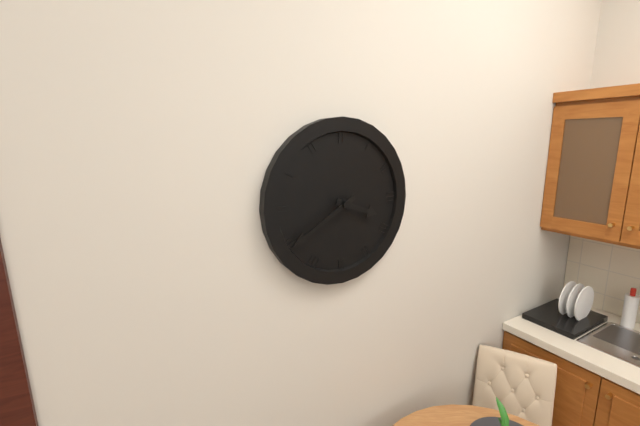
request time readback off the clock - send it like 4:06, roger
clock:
3:40
